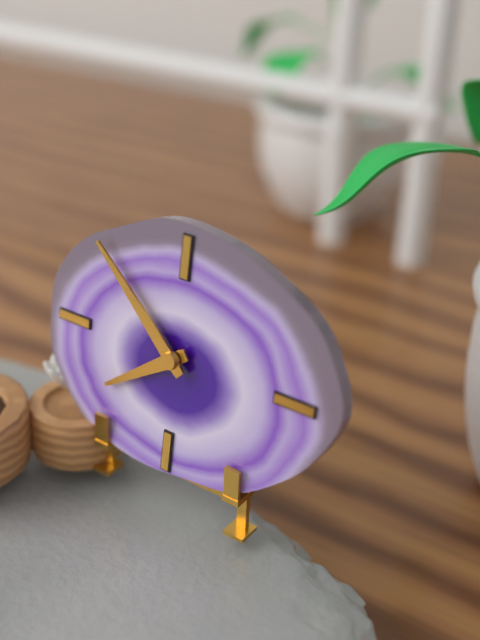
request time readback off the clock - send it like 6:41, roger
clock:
7:52
